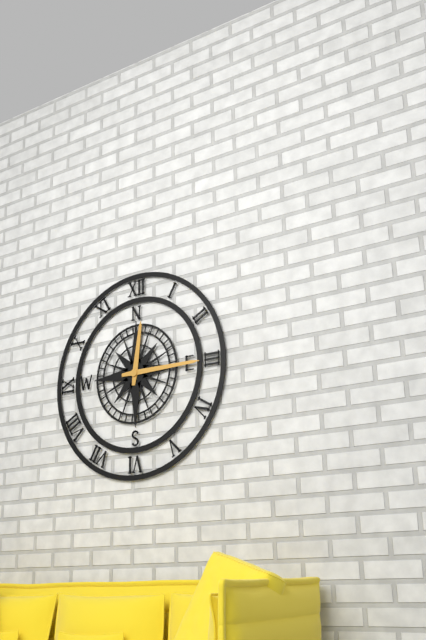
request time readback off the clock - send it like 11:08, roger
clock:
12:15
